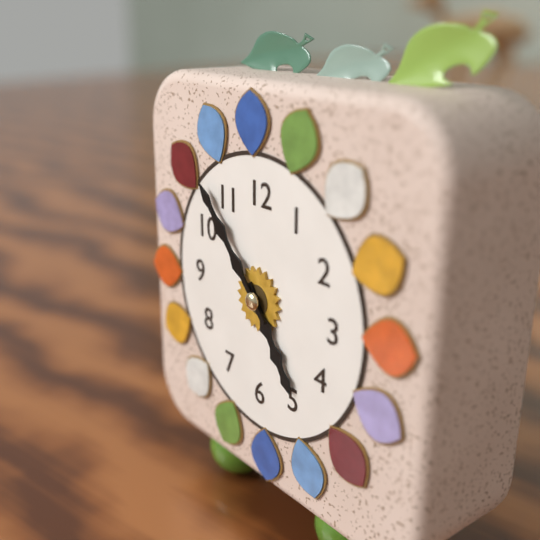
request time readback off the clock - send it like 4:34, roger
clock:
4:53
